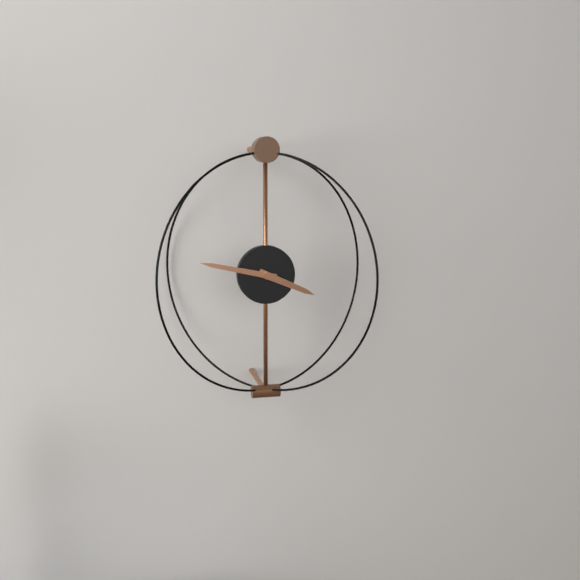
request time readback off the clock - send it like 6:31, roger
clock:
3:47
